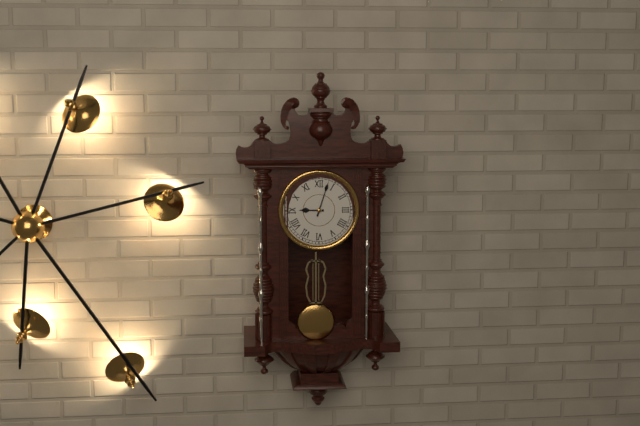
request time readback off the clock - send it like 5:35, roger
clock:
9:03
